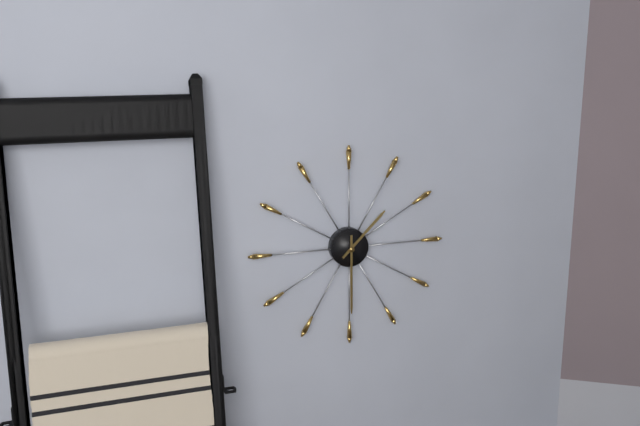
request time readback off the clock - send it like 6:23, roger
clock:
1:30
